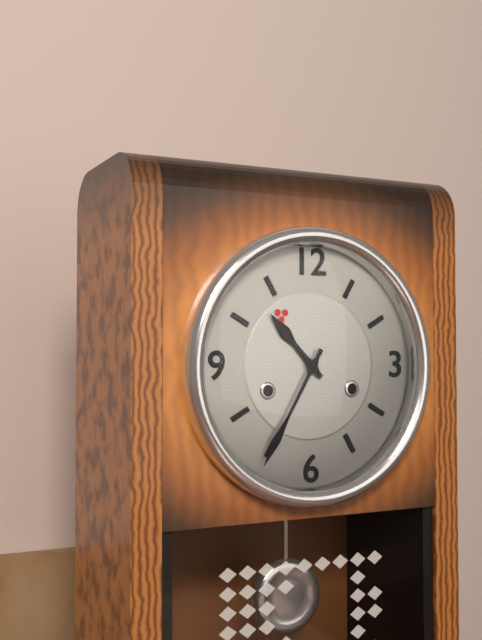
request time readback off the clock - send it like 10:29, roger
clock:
10:35
